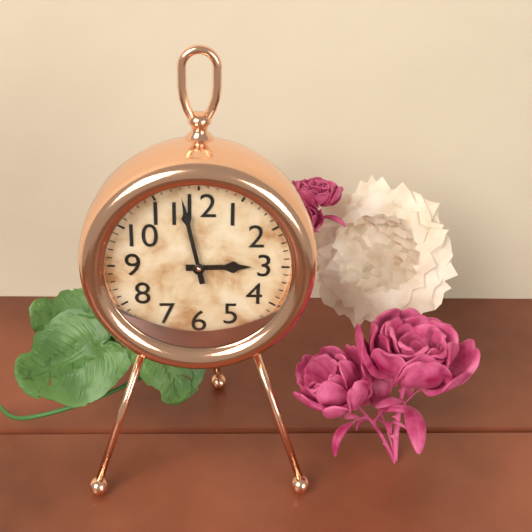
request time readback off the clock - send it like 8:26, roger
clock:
2:58
